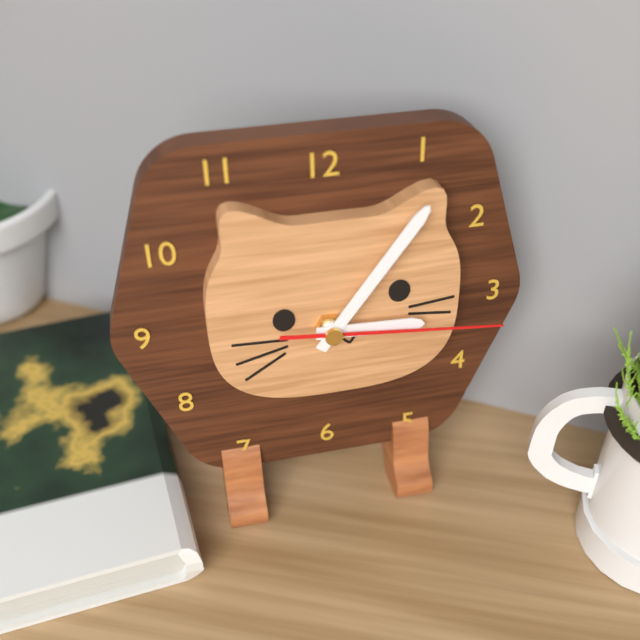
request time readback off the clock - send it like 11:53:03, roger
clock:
3:06:16
